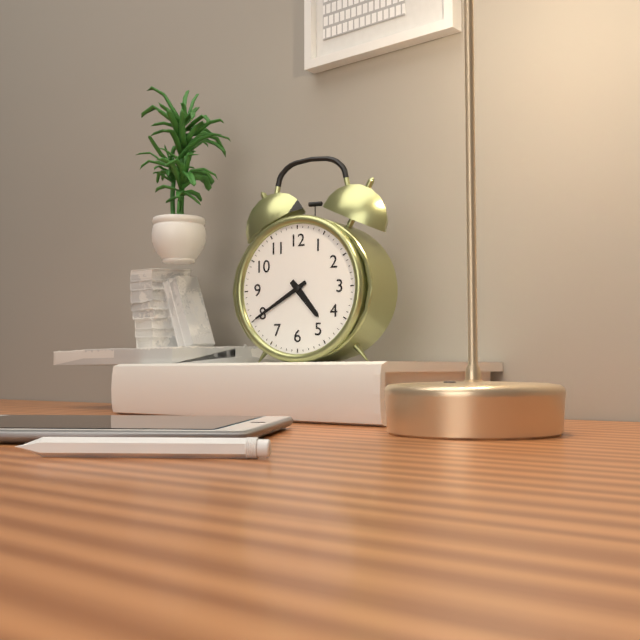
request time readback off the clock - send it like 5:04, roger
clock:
4:40
